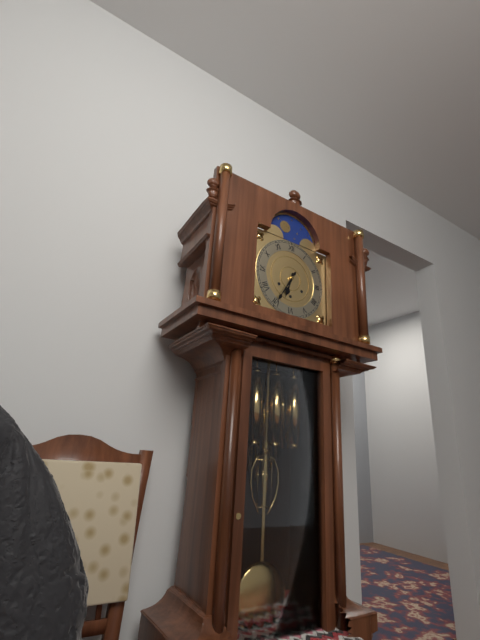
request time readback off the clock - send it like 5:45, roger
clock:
6:35
